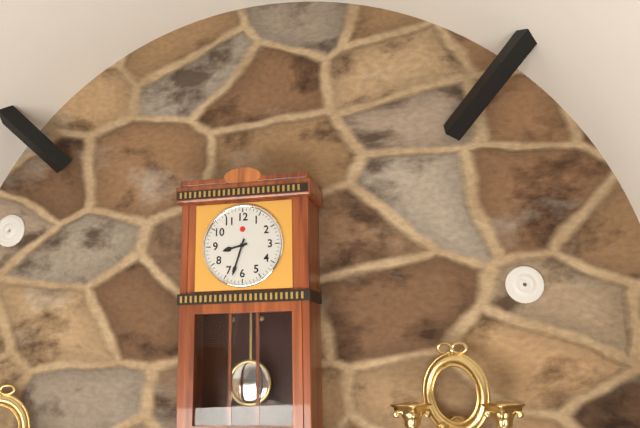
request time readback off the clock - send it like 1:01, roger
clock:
8:33
